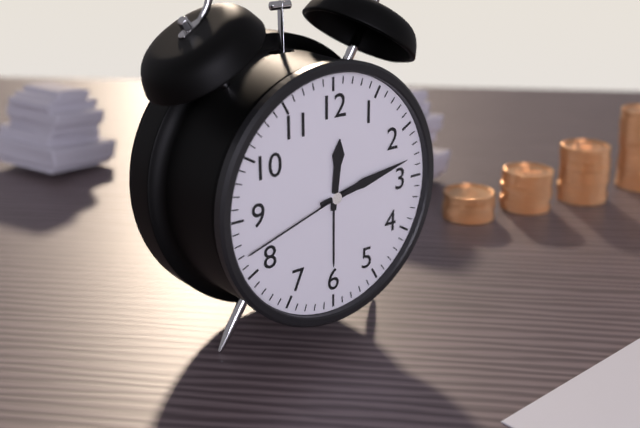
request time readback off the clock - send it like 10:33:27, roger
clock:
12:13:42
